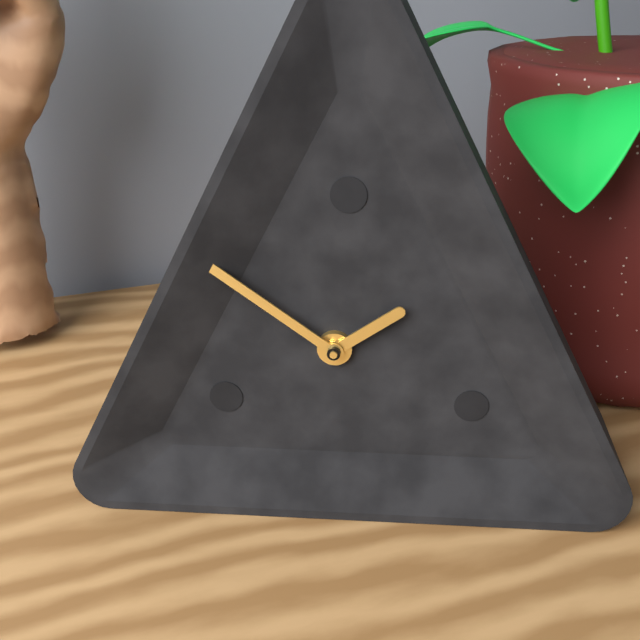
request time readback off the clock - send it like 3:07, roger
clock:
1:51
